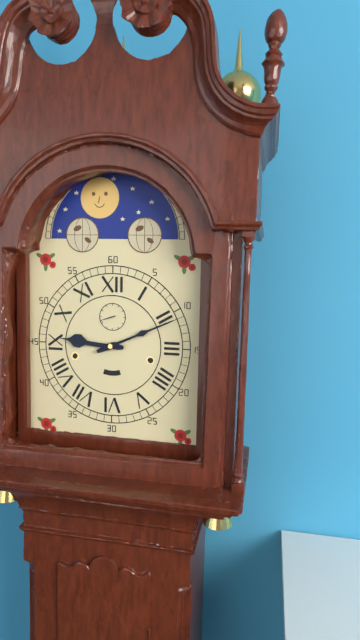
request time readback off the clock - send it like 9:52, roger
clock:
9:11
